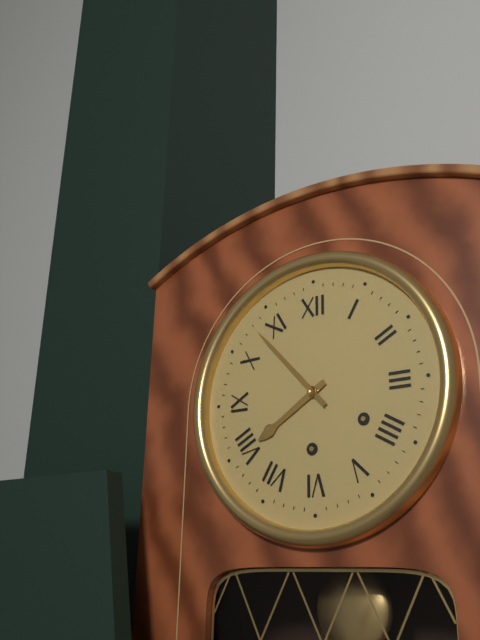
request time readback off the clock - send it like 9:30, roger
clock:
7:53
